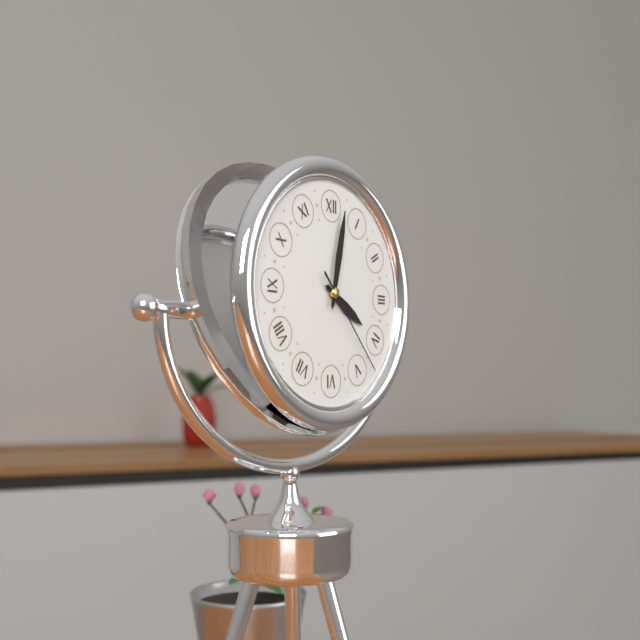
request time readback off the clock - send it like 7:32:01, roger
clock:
4:02:23
